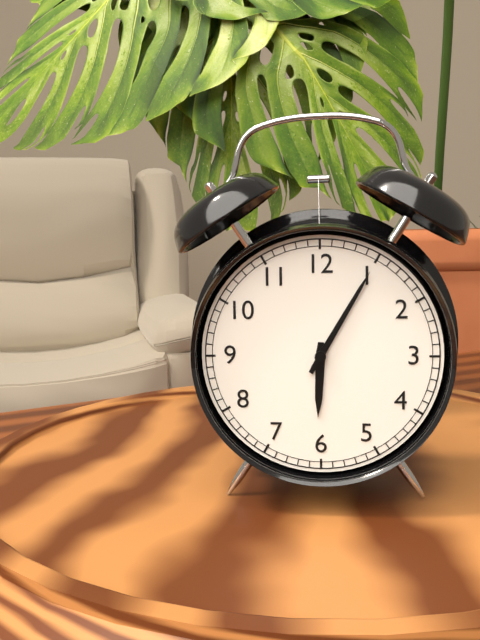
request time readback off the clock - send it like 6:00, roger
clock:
6:05
